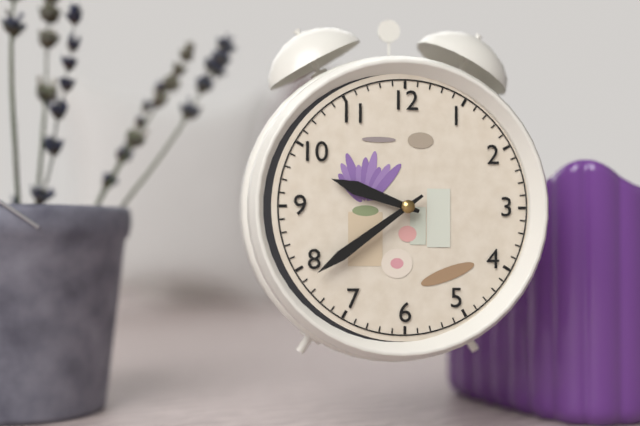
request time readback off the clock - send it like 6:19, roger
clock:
9:39
